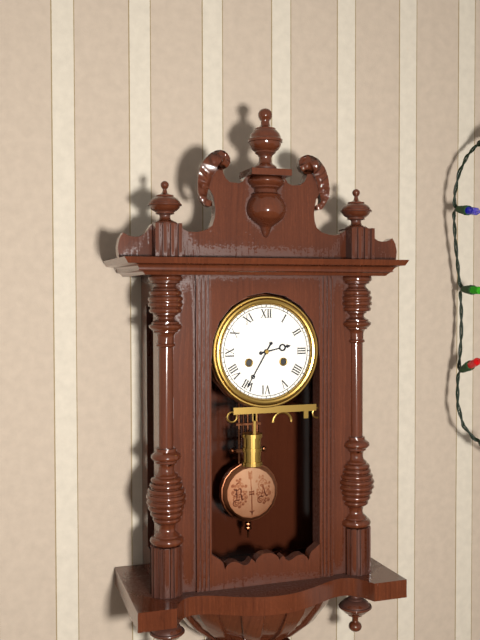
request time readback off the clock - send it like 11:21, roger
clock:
2:35
